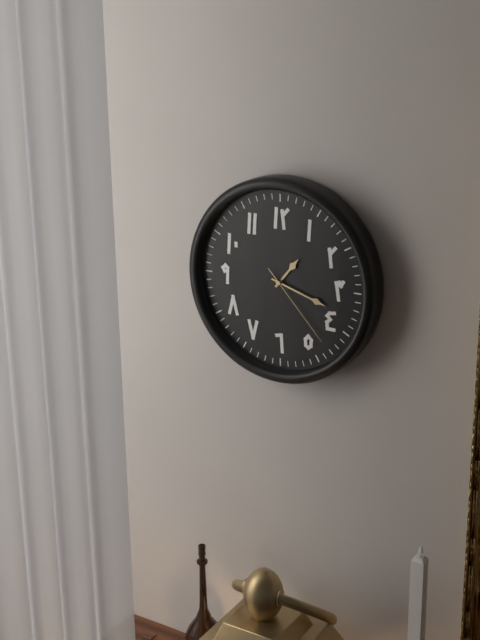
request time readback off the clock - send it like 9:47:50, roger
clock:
1:18:23
